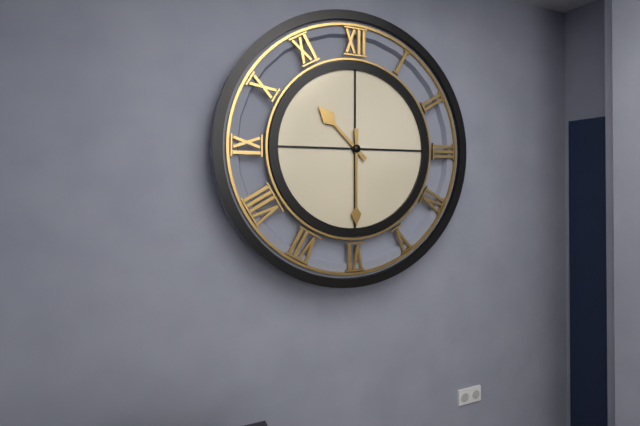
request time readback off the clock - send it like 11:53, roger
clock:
10:30
